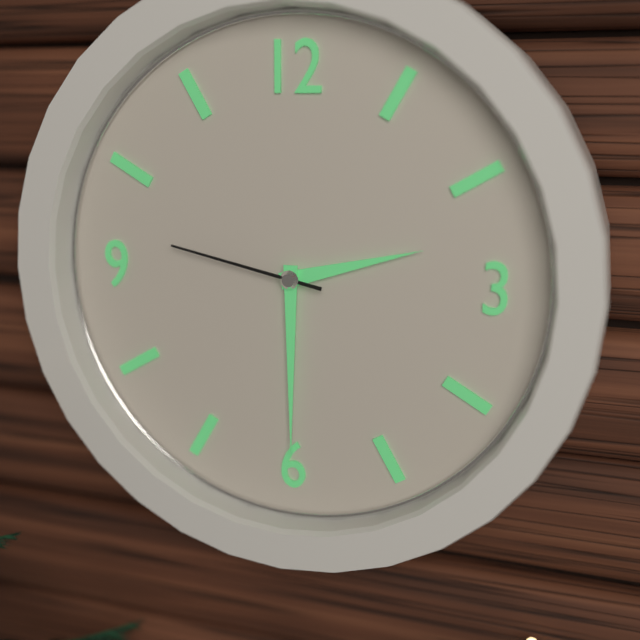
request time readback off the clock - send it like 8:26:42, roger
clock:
2:30:47
